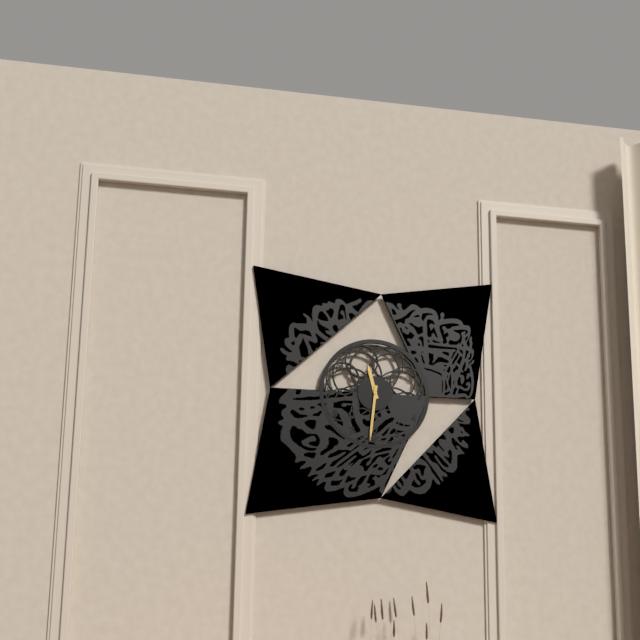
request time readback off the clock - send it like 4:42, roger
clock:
11:31
